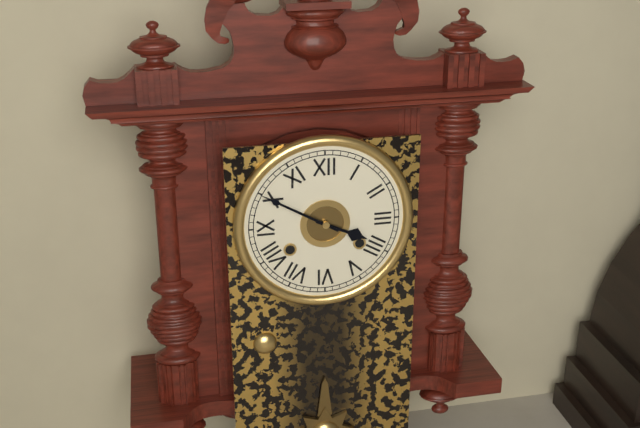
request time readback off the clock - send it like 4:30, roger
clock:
3:50
